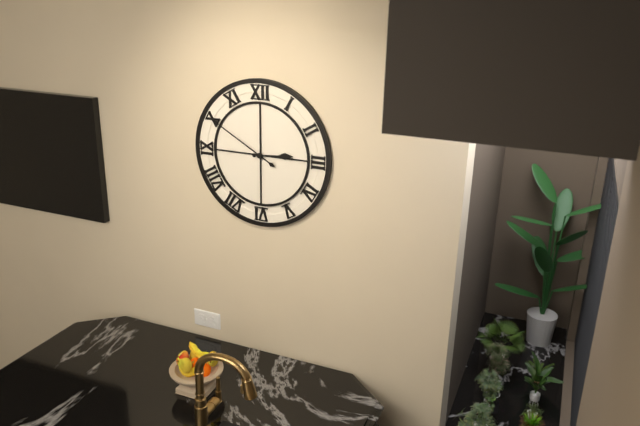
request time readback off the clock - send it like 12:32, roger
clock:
2:50
